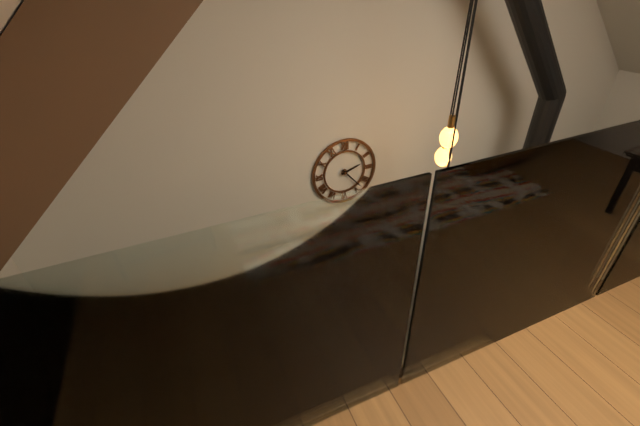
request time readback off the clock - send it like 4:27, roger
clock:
2:23
